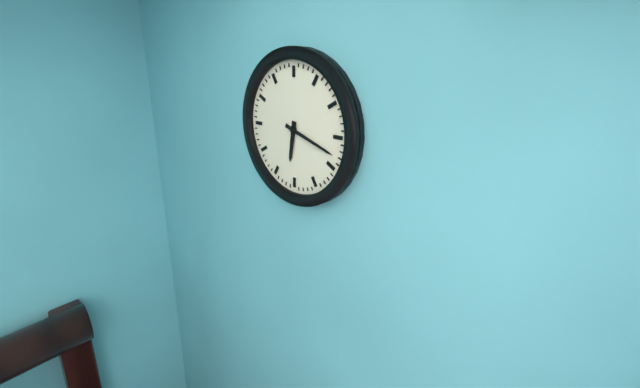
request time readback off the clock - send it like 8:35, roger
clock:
6:18
